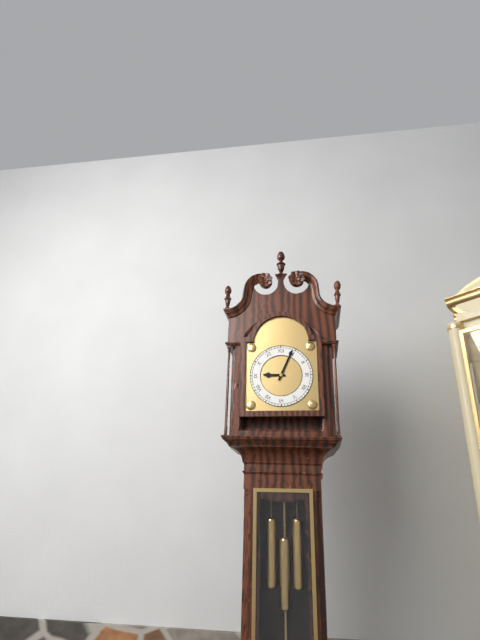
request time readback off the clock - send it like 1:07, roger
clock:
9:04
